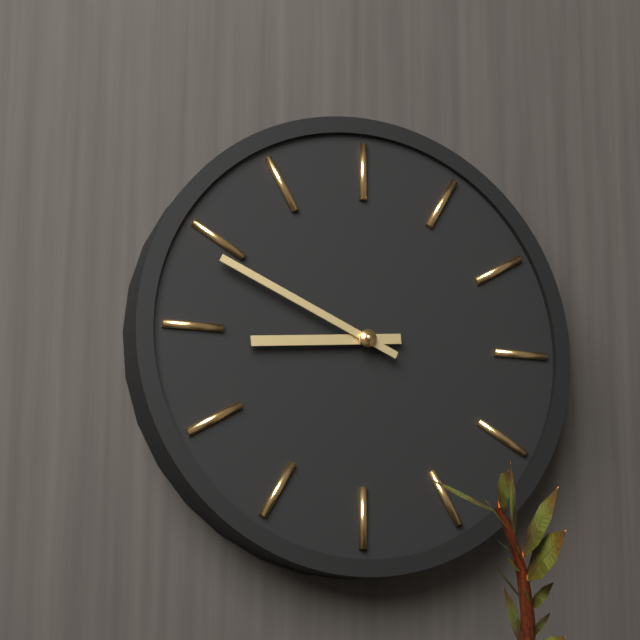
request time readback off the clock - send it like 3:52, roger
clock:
8:49
